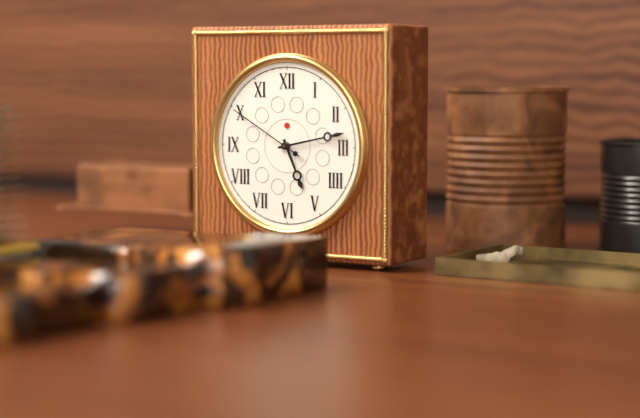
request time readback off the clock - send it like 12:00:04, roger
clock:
5:13:50
